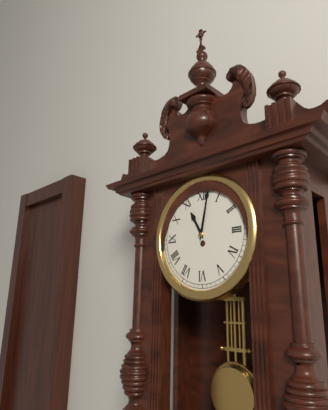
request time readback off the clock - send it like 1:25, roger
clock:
11:02
